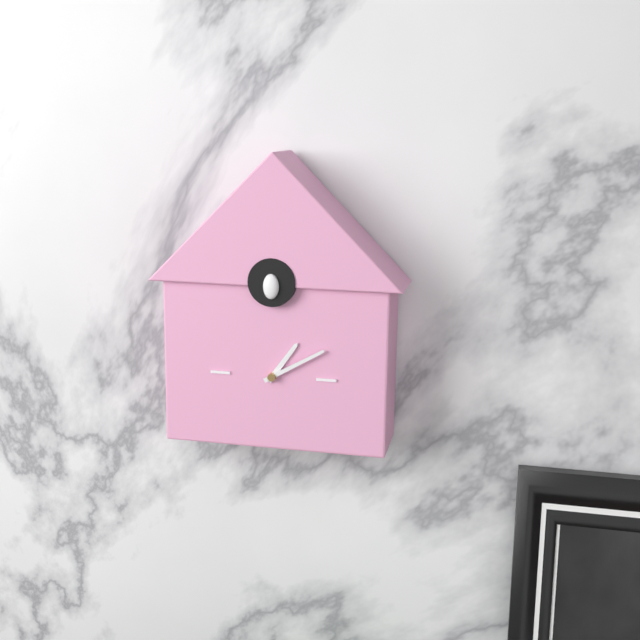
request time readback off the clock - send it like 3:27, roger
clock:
1:10
